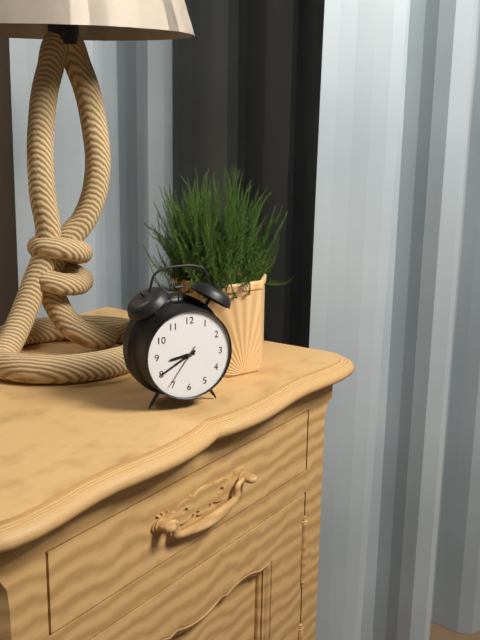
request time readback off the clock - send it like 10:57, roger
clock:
8:40
